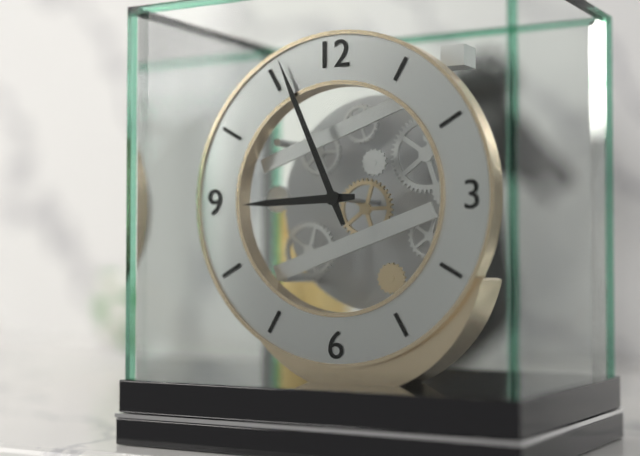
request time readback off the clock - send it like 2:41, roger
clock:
8:56
